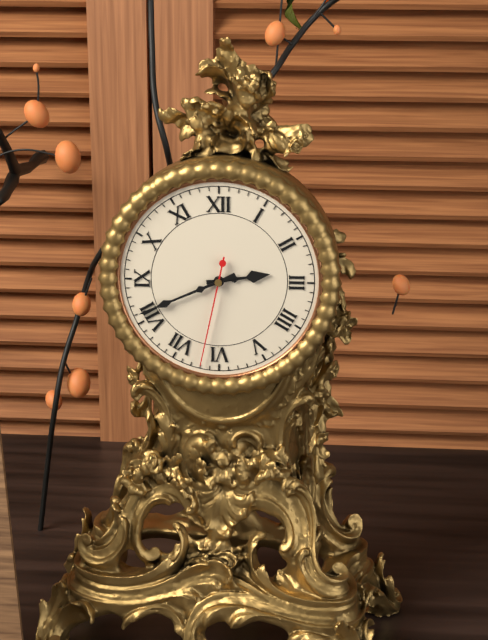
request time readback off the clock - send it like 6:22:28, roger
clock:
2:41:32
